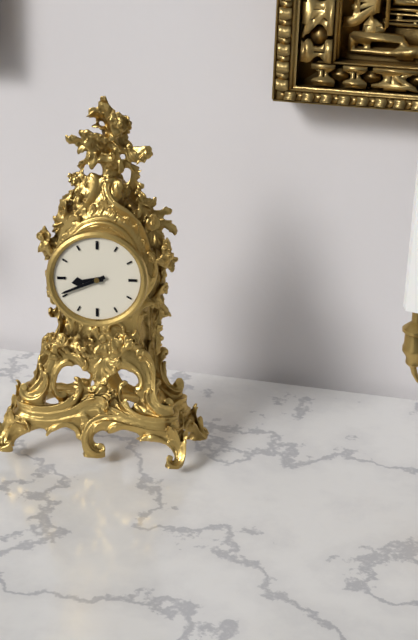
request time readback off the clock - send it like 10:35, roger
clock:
8:41
